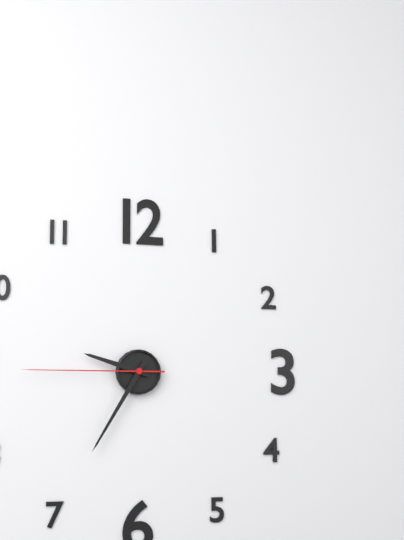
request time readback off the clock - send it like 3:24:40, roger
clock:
9:35:45
